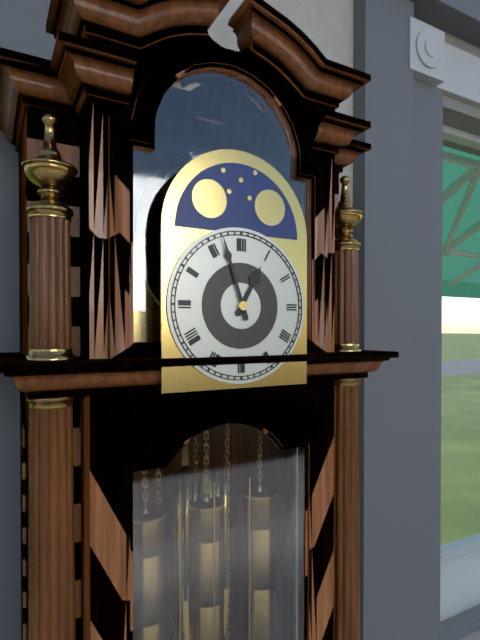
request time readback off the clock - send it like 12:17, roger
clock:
12:57
